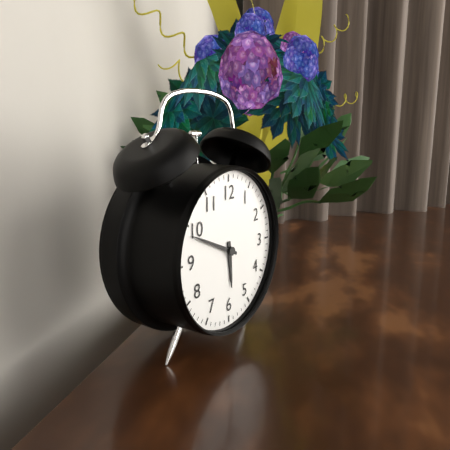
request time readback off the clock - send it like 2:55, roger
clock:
5:49
